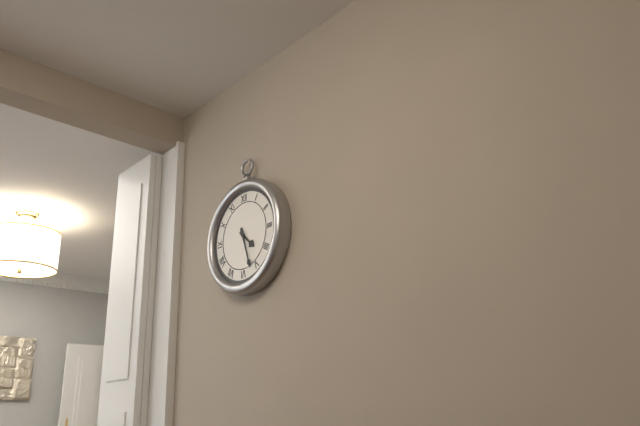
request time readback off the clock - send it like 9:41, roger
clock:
4:27
